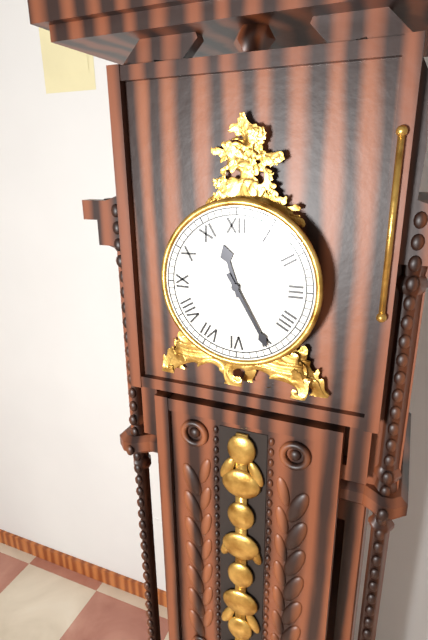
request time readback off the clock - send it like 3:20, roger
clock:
11:25
